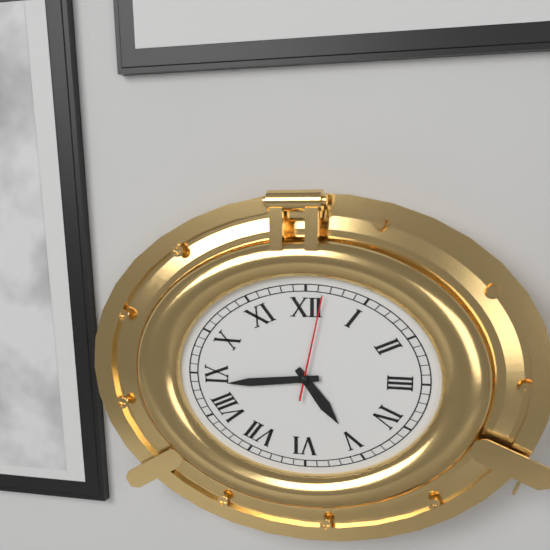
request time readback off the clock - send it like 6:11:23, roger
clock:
4:44:02
